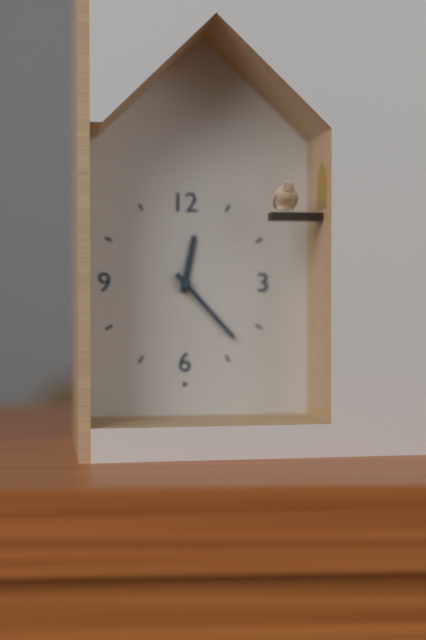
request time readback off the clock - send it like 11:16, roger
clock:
12:23
